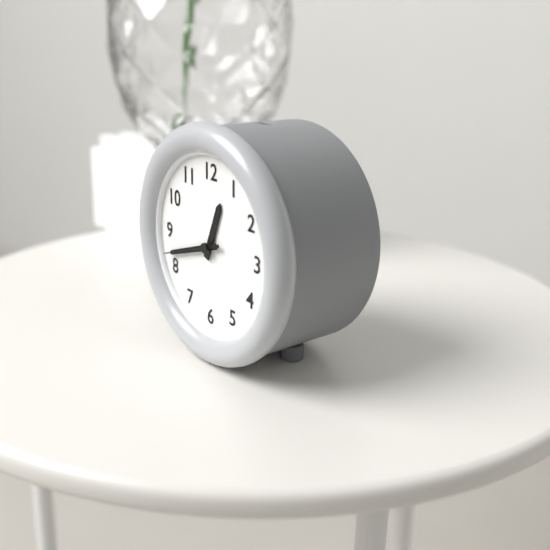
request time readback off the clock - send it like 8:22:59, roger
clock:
12:42:42
